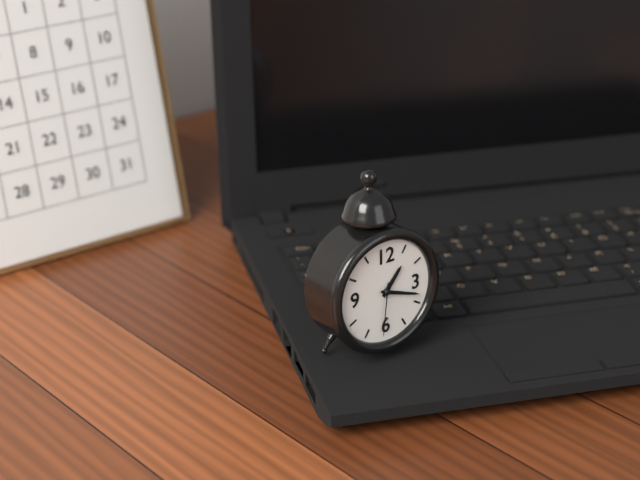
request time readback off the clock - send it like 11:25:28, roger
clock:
1:18:31
